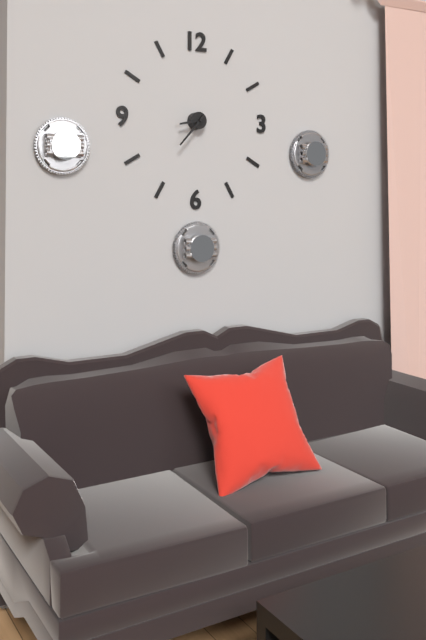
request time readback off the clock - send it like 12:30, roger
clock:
8:37
